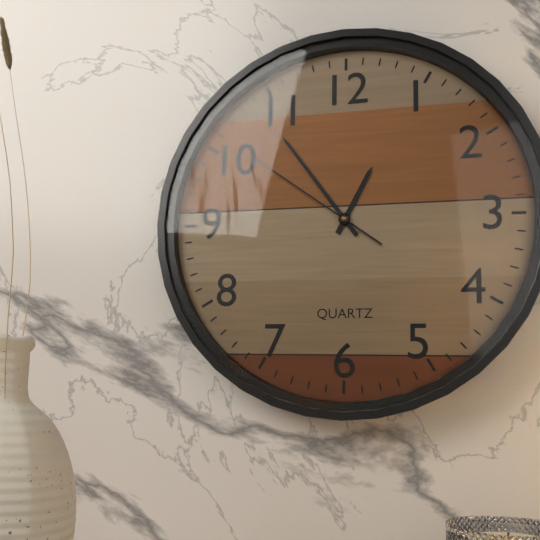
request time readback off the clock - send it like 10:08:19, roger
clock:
12:54:51
